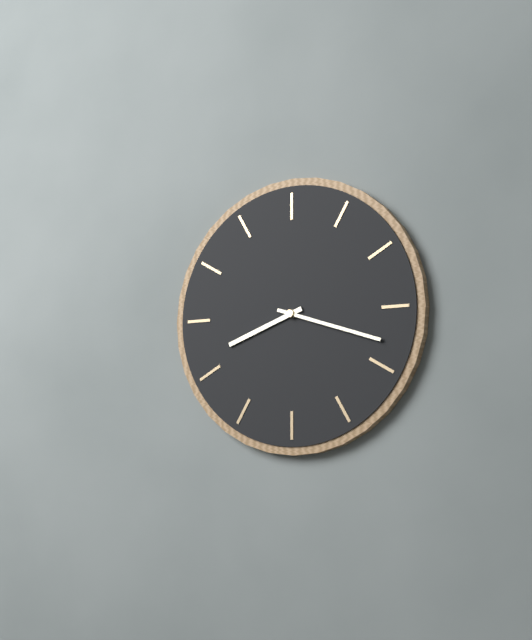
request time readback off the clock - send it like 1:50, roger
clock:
8:18
